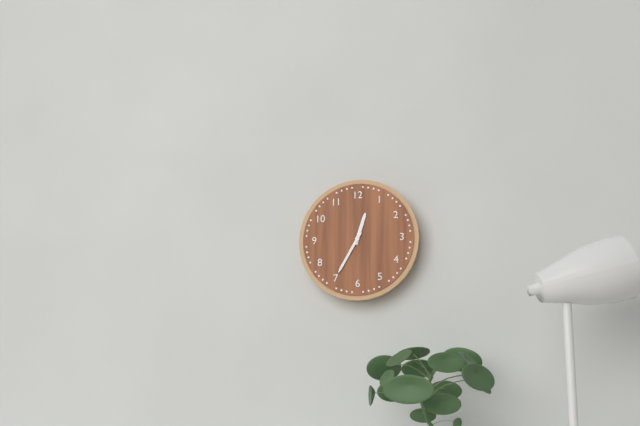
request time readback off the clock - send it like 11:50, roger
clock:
12:35
